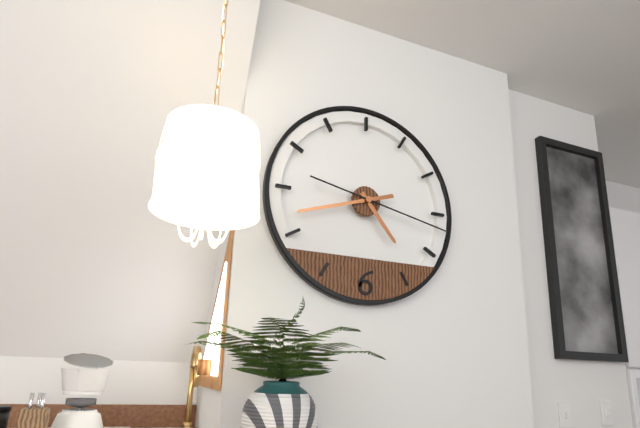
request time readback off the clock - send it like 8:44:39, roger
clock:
4:42:17
